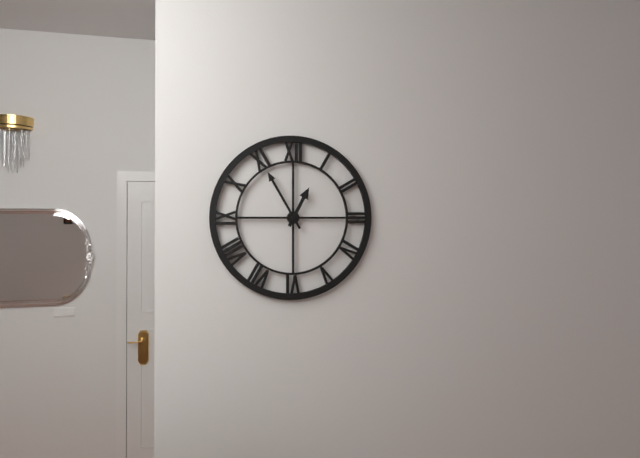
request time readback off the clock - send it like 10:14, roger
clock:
12:55
